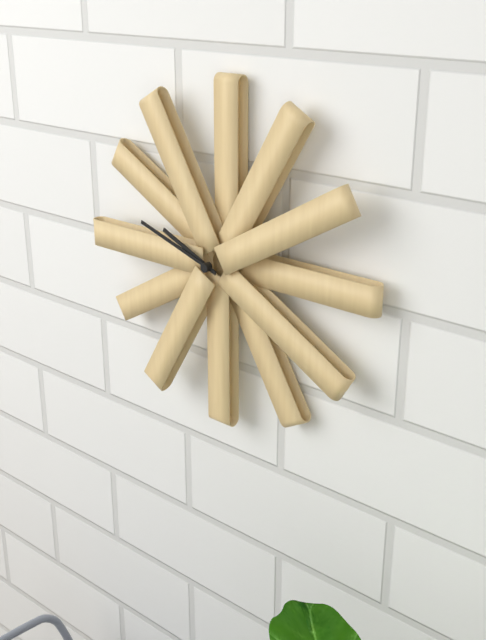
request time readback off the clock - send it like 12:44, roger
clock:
9:48
